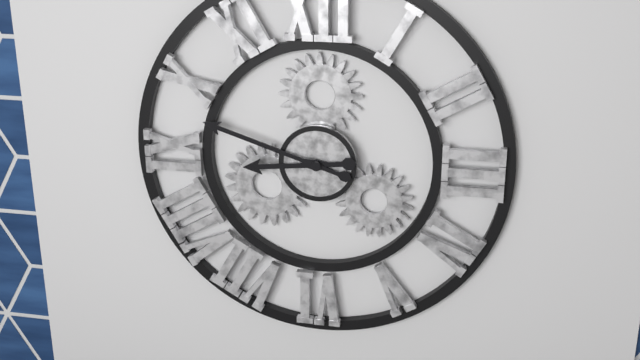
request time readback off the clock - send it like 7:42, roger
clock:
8:48
